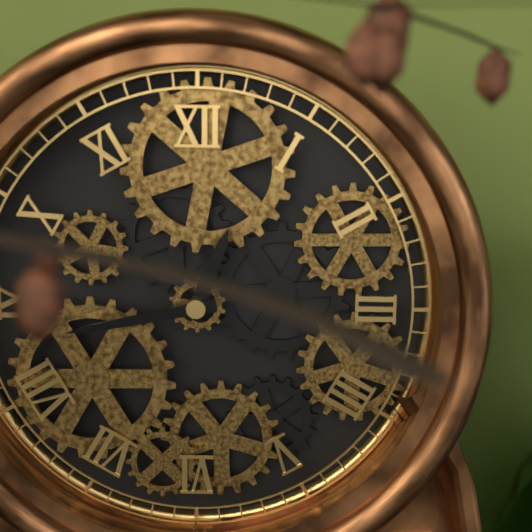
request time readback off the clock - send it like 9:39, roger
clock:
12:43
